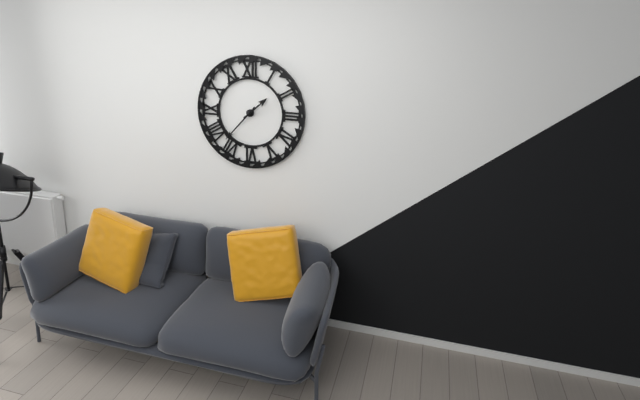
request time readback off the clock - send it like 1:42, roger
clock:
1:37
